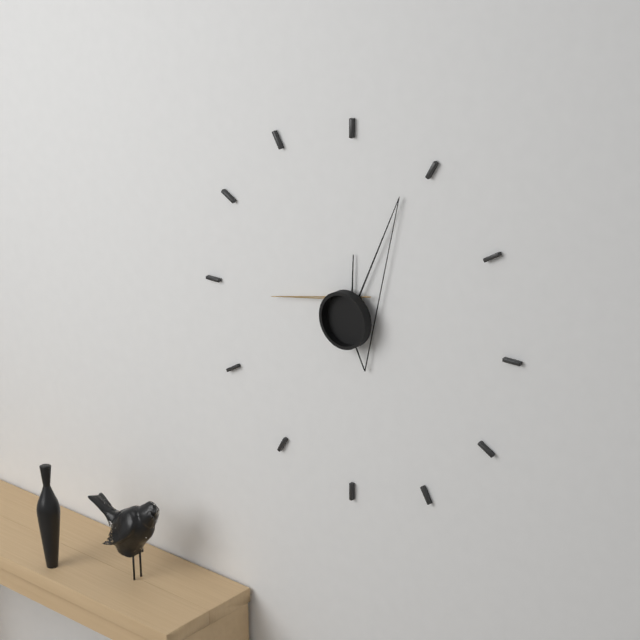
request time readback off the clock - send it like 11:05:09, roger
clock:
12:04:45
